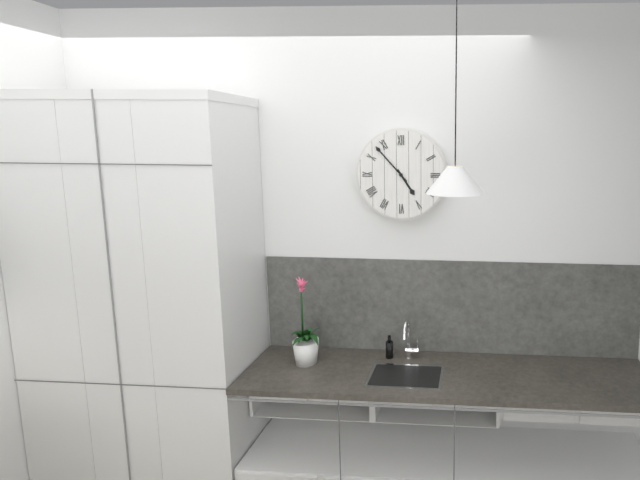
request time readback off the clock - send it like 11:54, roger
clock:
4:53
